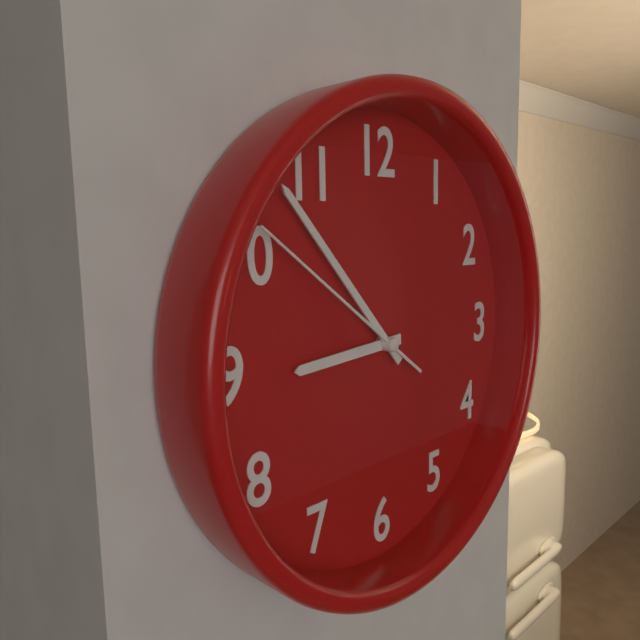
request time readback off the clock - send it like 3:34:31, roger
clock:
8:53:51
